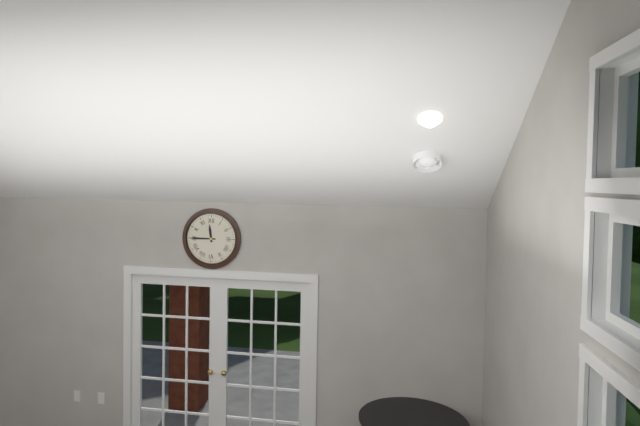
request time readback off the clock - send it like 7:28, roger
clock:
11:45
